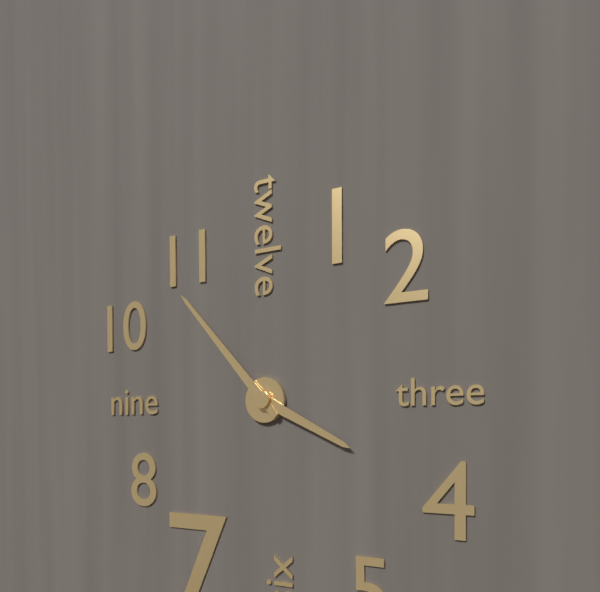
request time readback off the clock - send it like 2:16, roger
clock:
3:53
